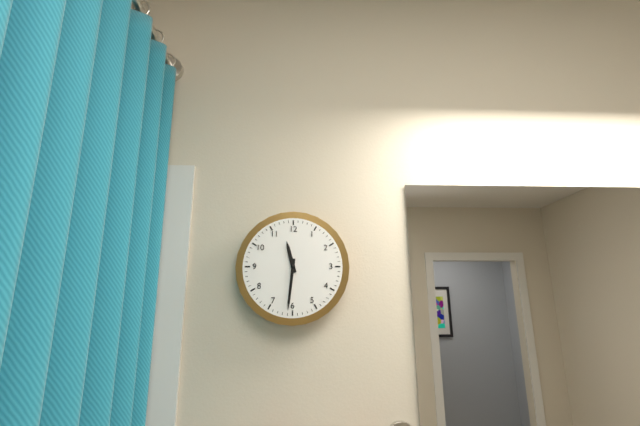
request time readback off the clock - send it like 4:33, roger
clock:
11:31
